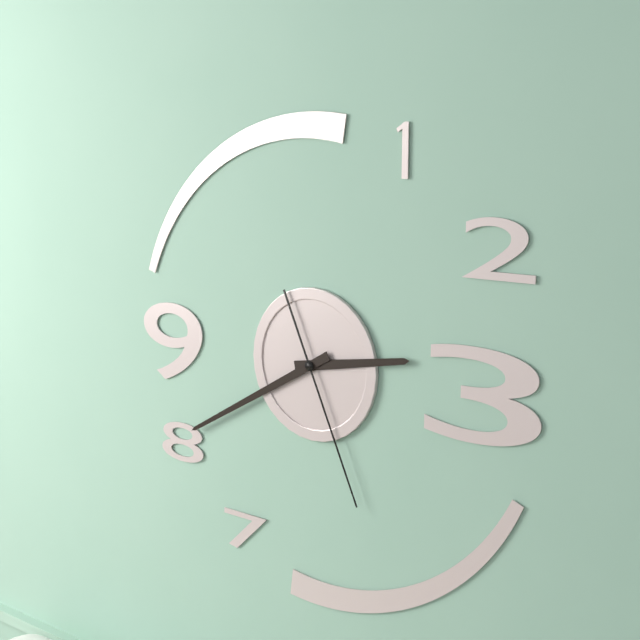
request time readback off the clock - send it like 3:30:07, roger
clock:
2:40:26
